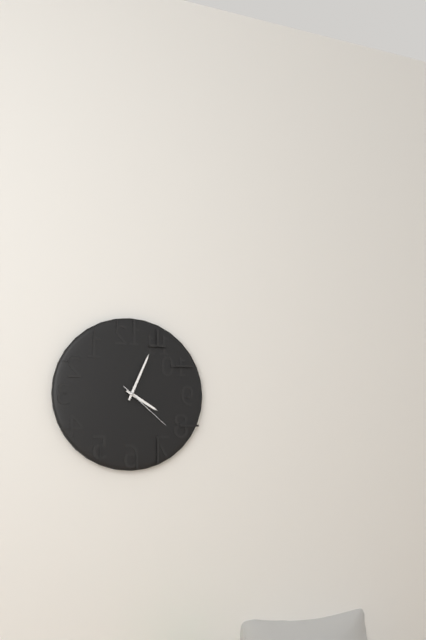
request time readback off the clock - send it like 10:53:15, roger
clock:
4:04:22
